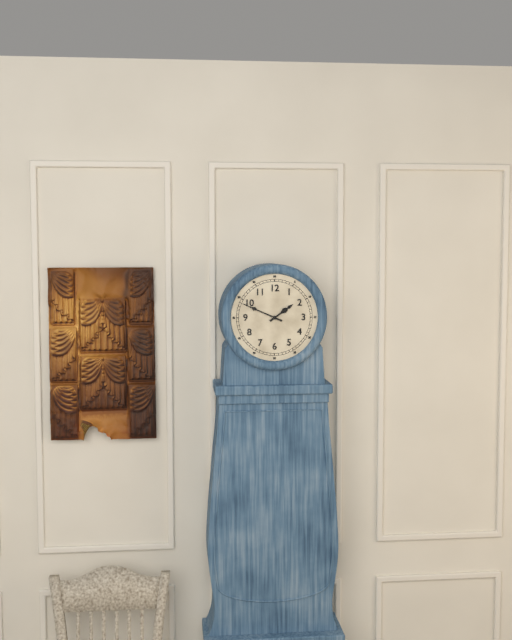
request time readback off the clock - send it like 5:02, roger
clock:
1:49
